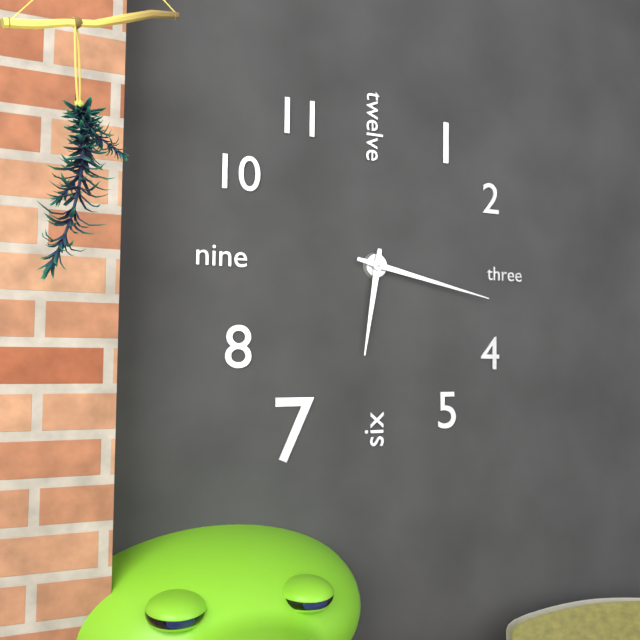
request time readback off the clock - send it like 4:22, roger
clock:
6:17
